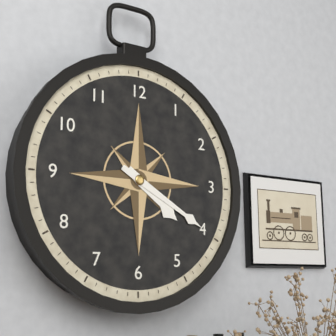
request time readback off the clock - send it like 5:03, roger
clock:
4:20
